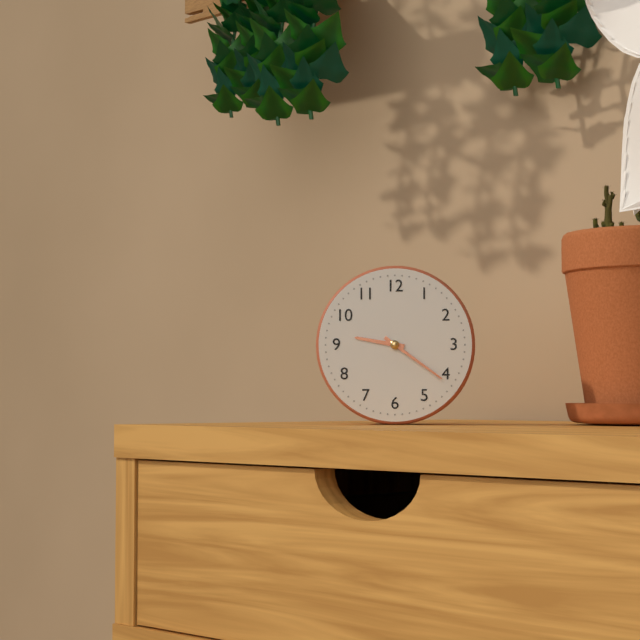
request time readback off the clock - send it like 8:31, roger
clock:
9:21
